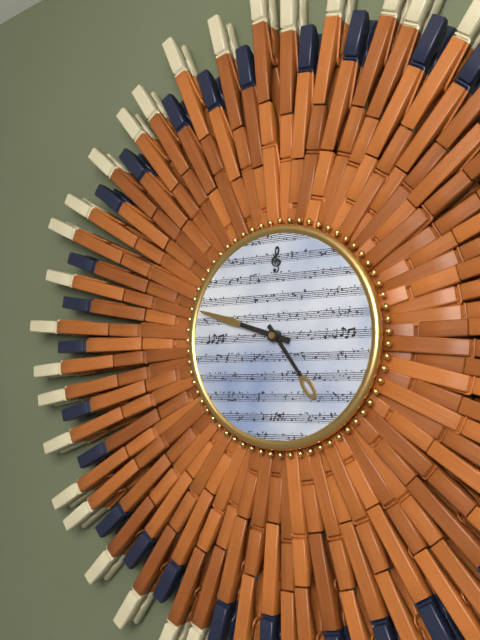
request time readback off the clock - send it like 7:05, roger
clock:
4:48
